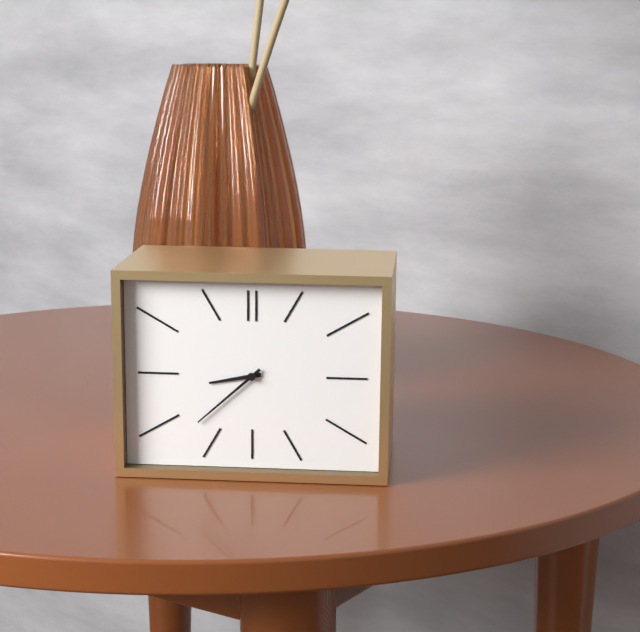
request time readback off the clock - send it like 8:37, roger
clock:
8:38
